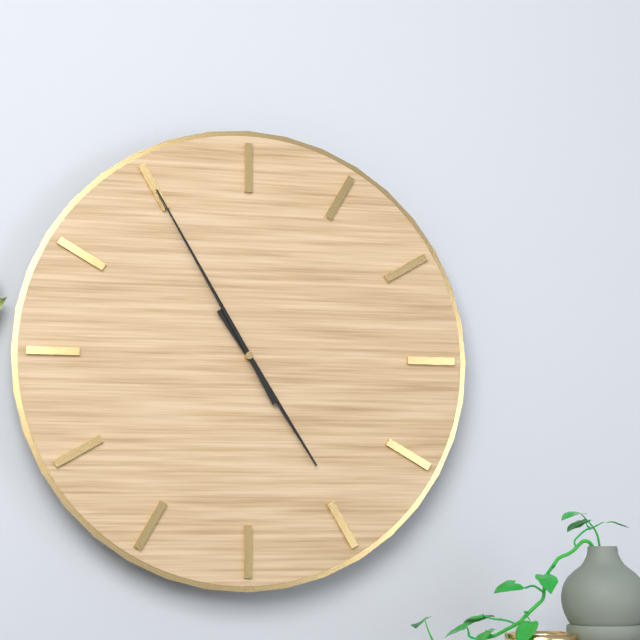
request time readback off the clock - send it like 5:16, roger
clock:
4:55
